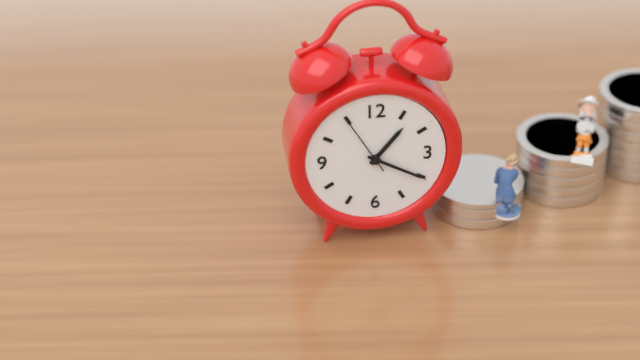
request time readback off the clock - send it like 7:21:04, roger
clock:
1:20:55
